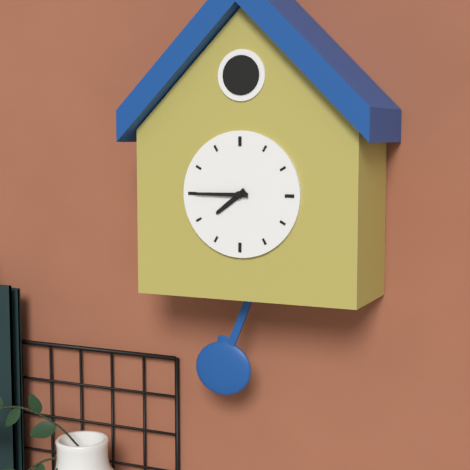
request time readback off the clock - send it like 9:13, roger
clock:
7:45
